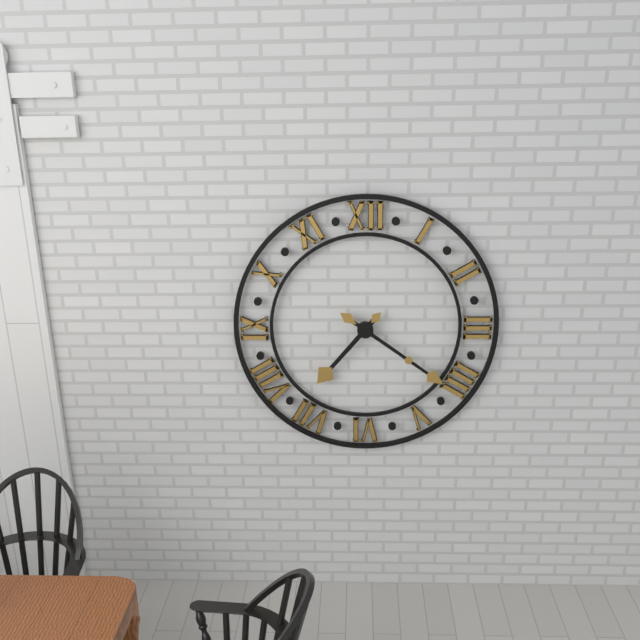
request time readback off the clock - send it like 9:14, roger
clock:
7:21
